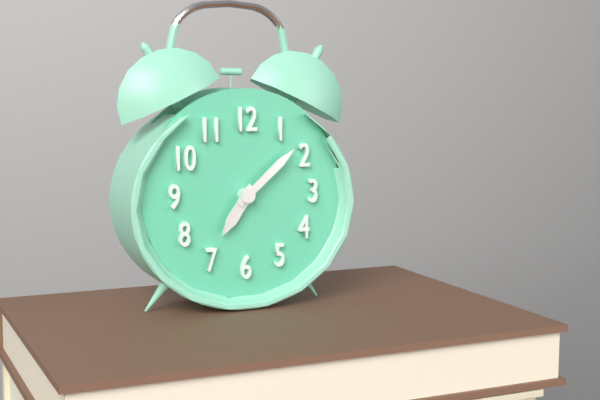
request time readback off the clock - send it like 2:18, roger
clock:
7:08
